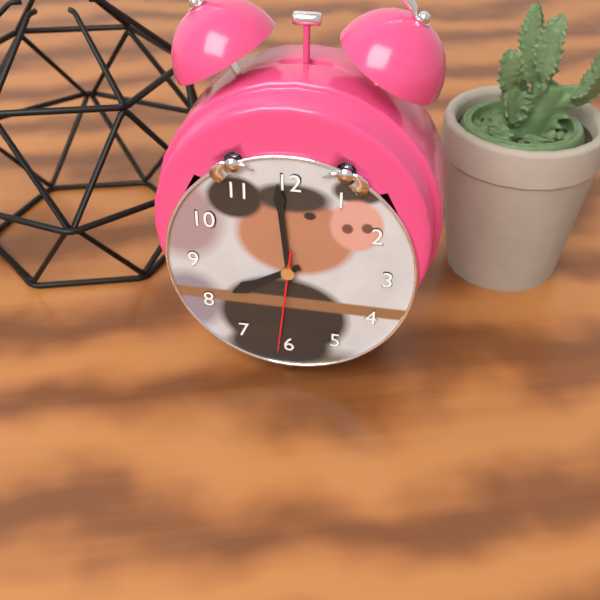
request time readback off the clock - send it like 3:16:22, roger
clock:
7:59:31
